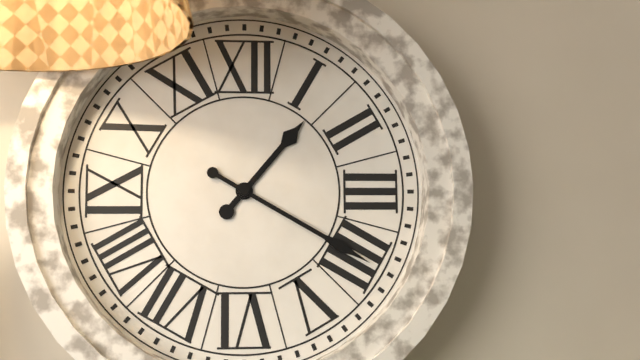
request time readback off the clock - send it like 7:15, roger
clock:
1:20
